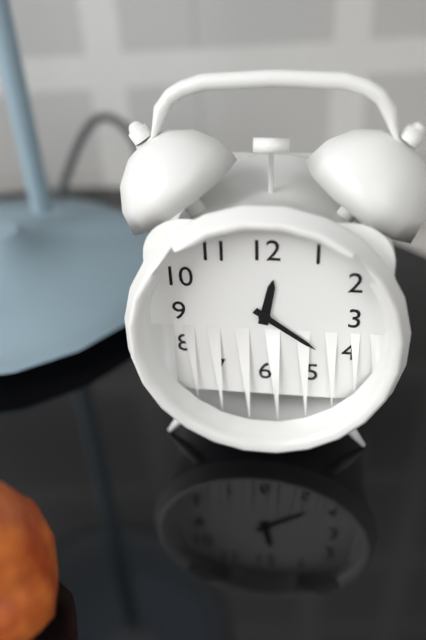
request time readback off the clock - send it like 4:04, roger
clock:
12:21
